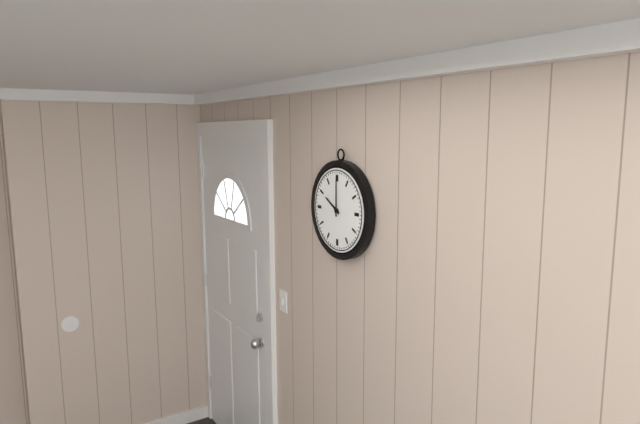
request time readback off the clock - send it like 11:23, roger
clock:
10:00
